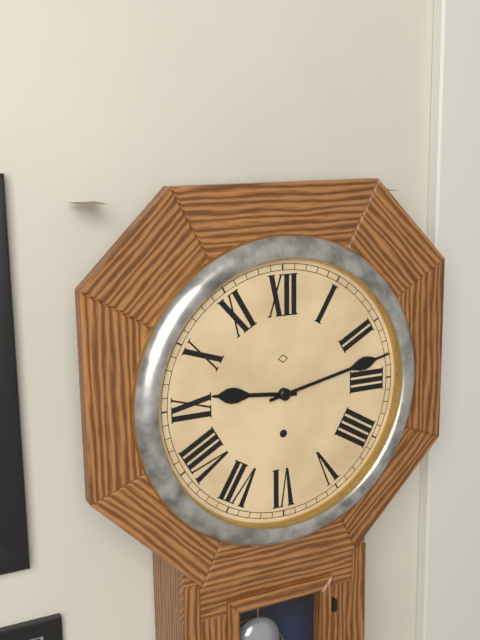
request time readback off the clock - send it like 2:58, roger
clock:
9:13
